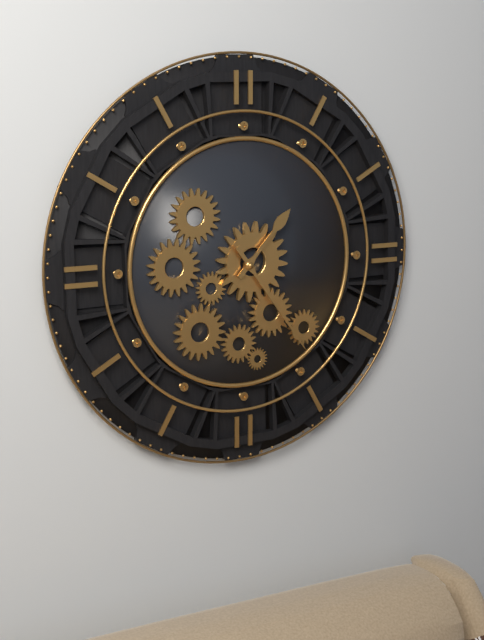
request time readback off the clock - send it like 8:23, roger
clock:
1:24
